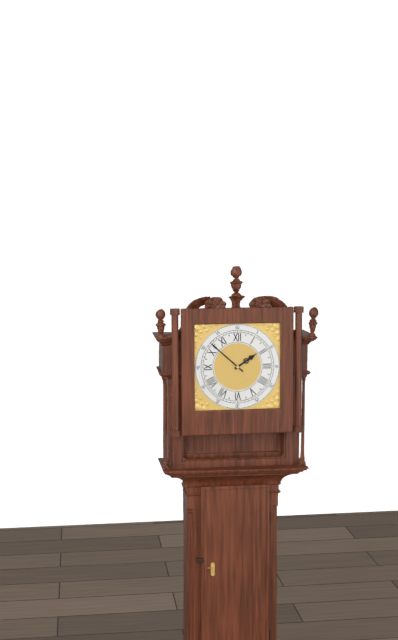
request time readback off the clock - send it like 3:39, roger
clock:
1:52
